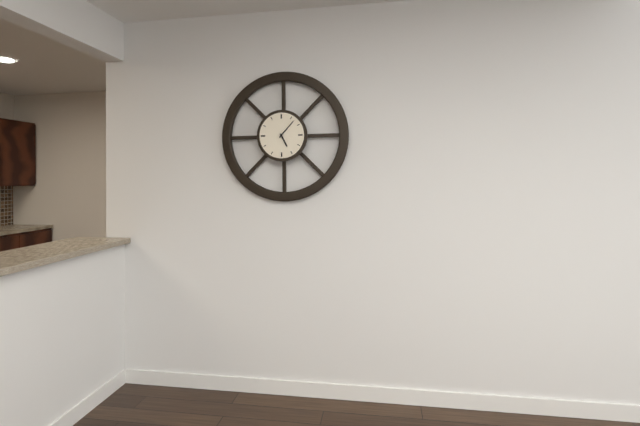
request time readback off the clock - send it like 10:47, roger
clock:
5:07
